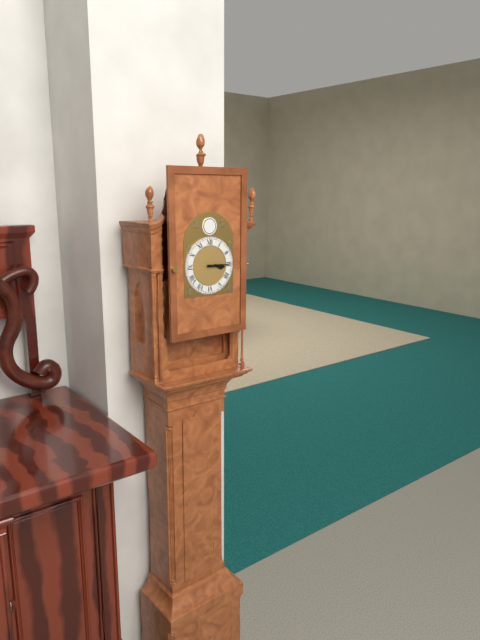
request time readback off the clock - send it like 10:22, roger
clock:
3:15
